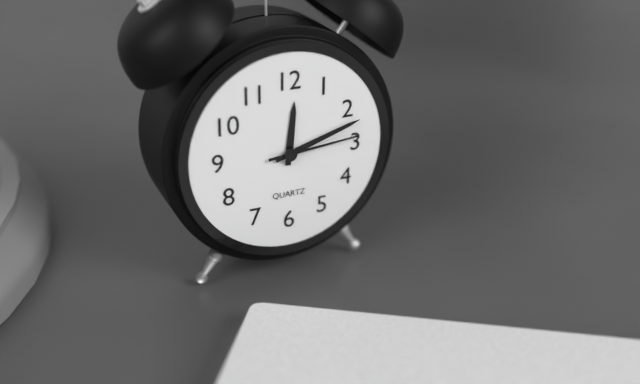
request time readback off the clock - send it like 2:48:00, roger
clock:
12:12:14
